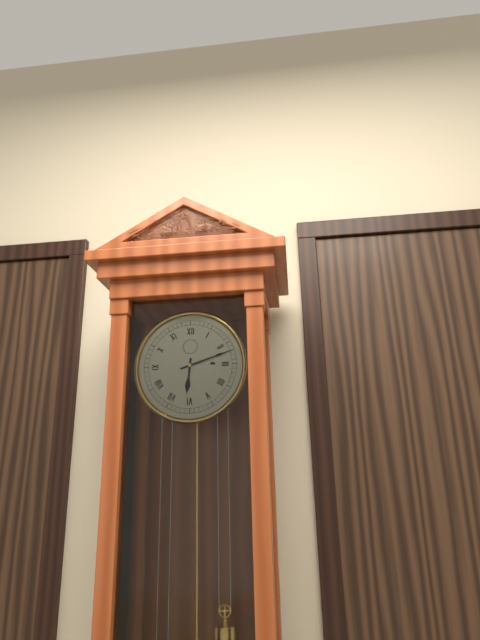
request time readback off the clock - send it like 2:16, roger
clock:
6:12
